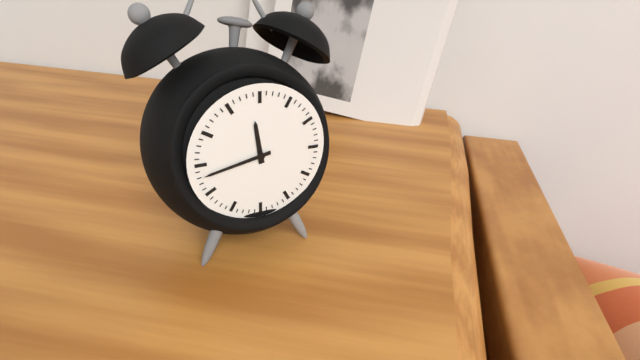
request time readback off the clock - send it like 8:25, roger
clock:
11:43
